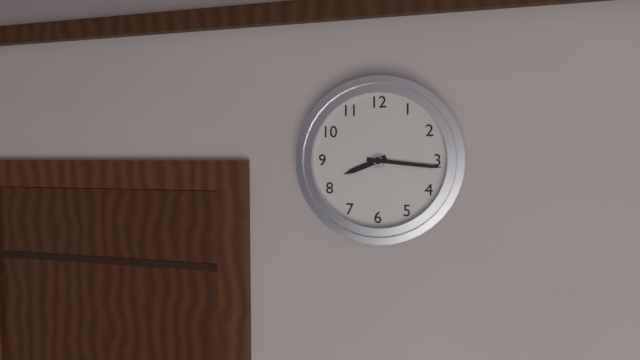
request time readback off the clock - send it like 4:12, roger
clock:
8:16
